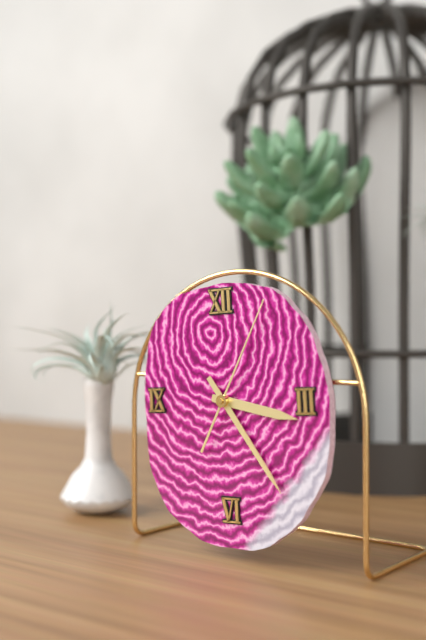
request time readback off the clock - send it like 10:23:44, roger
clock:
3:24:05
